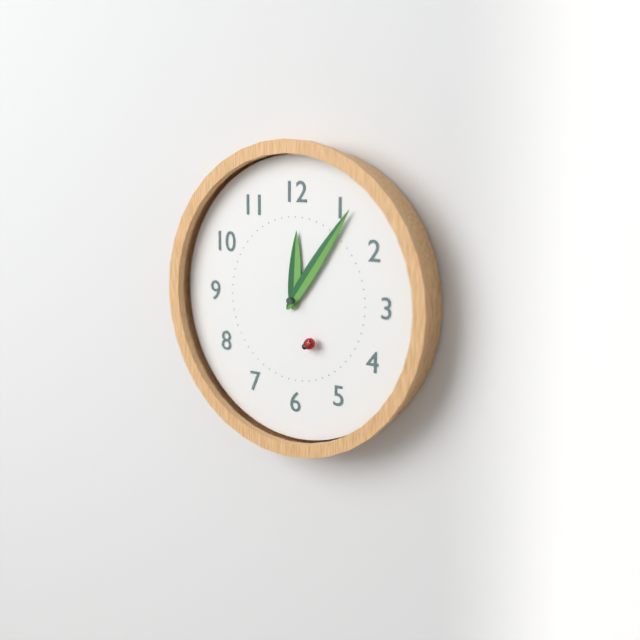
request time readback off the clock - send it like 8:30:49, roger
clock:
12:06:25
